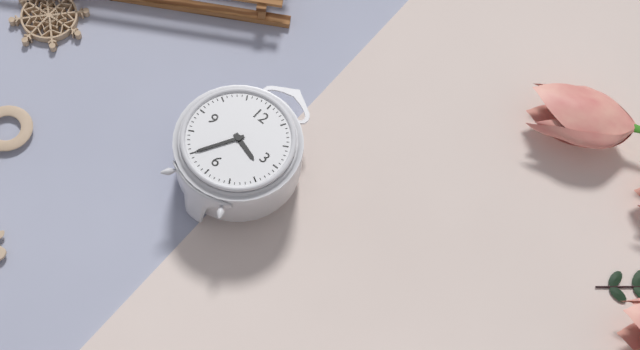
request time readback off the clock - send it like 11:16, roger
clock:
3:35
